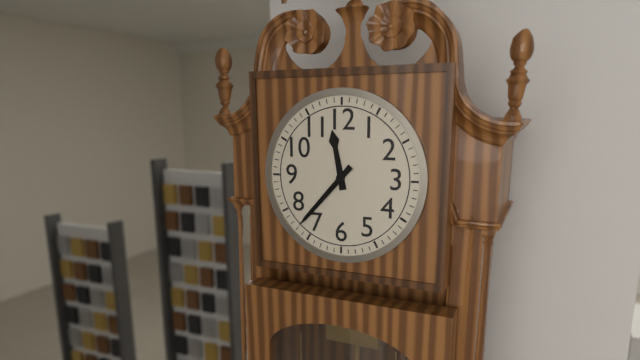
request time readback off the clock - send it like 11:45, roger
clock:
11:37
